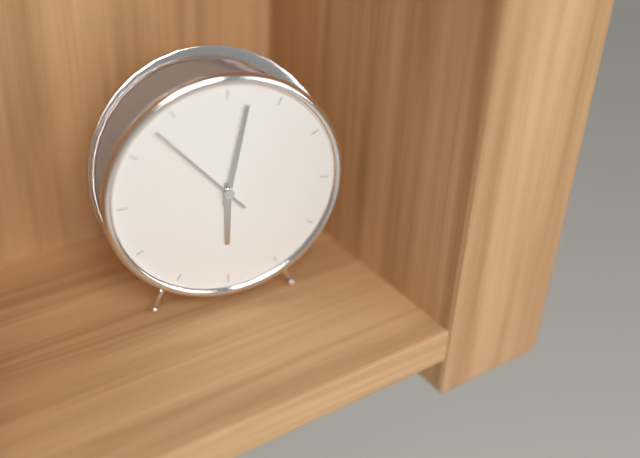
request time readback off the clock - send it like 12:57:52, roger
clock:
6:02:53
